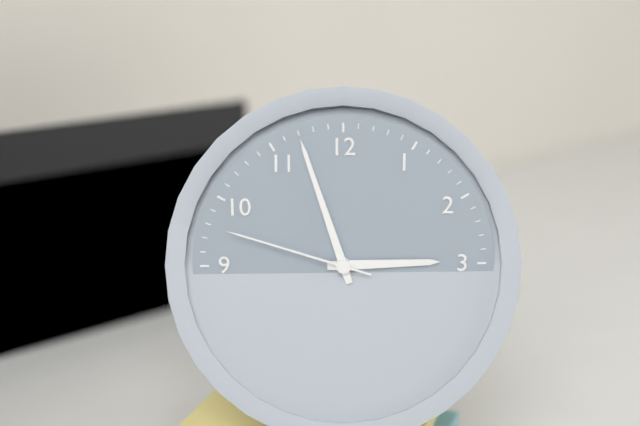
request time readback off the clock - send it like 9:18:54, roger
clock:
2:57:48
